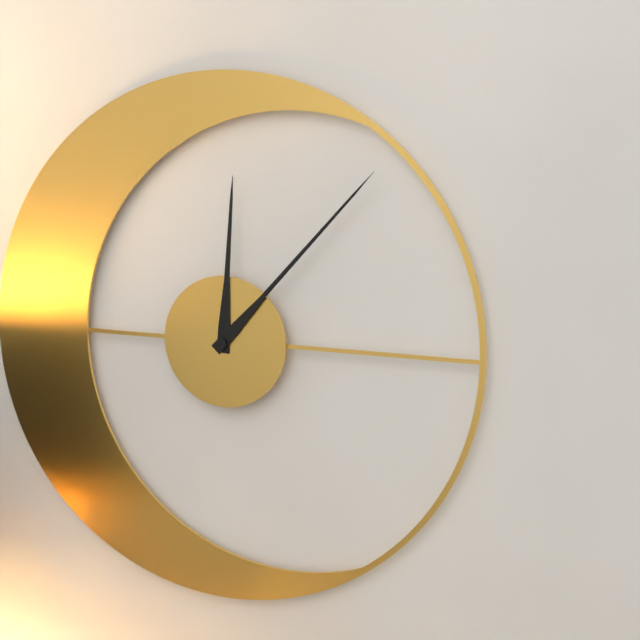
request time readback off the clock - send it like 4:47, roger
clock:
12:07
